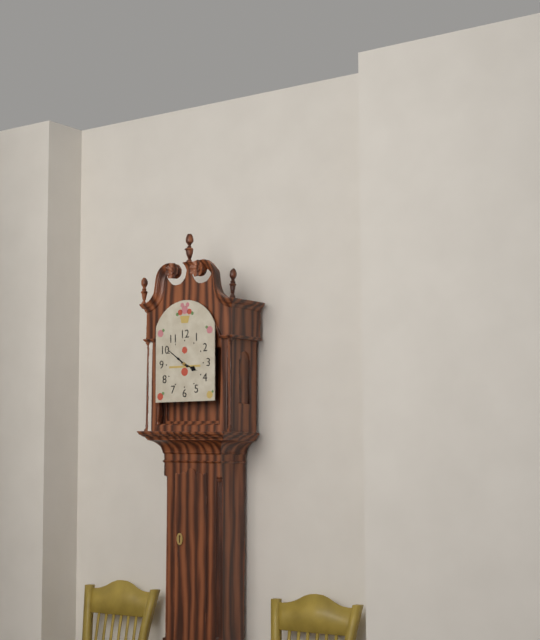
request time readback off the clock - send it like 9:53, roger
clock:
3:51
